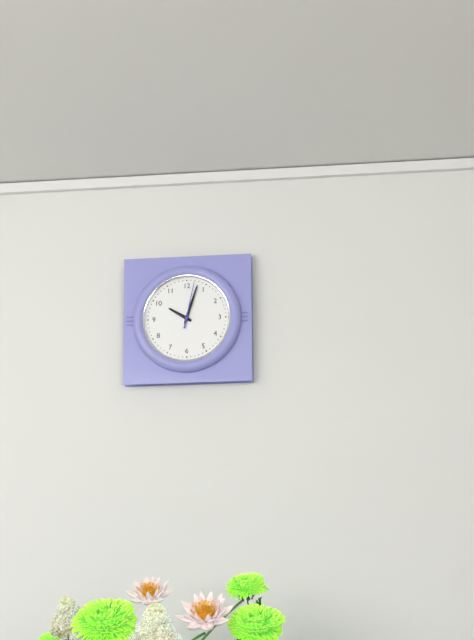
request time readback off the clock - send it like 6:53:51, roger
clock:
10:03:02
